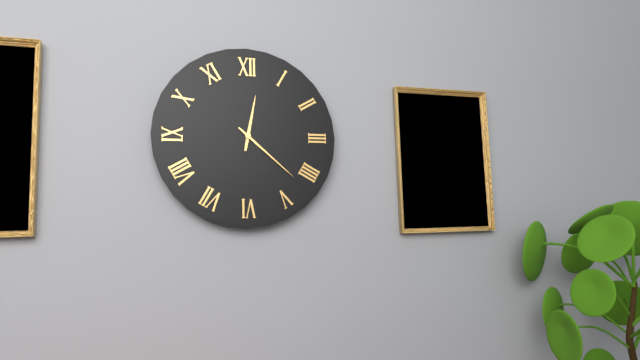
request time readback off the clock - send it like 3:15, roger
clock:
12:22
